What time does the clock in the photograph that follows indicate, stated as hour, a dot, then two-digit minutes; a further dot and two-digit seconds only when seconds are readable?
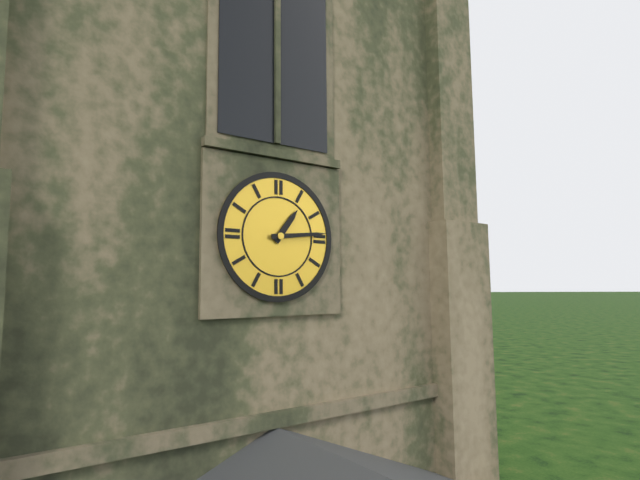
1.14
